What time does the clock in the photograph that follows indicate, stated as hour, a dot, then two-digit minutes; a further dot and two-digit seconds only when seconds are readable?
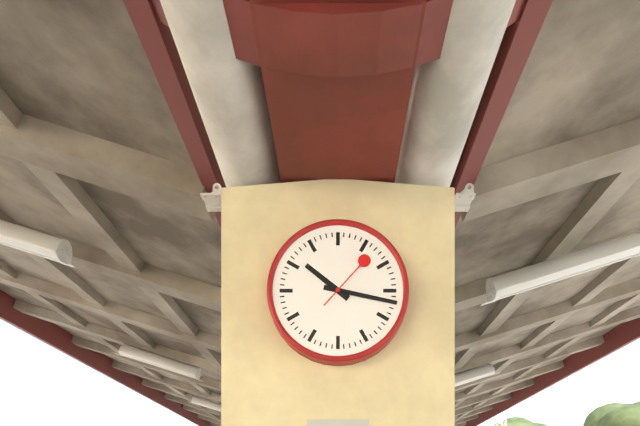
10.17.07
